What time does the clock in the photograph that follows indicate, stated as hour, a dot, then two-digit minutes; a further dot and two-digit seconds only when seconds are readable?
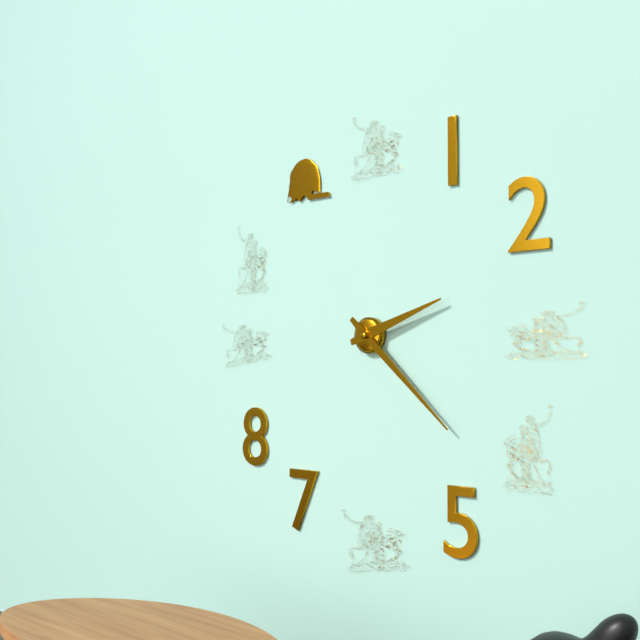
2.22
